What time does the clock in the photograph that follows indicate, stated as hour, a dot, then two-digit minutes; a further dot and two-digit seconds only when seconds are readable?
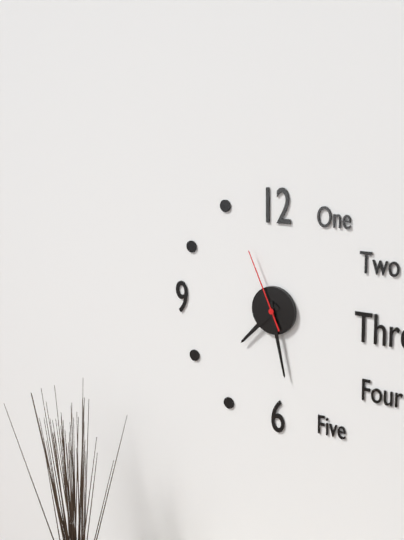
7.28.56
